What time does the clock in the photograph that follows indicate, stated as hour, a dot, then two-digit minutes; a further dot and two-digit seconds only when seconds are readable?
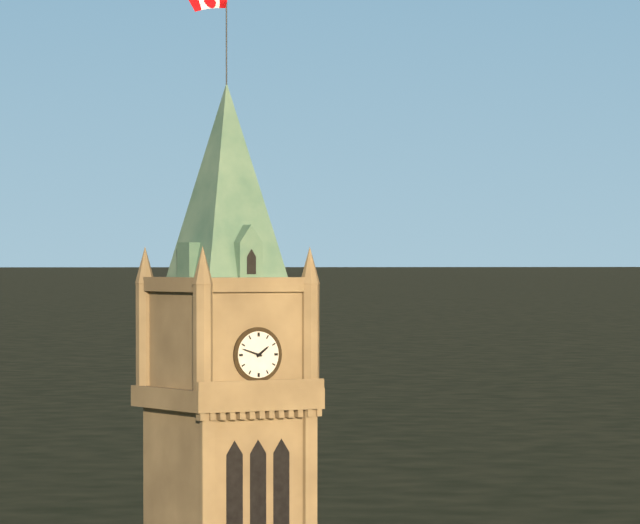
1.48
